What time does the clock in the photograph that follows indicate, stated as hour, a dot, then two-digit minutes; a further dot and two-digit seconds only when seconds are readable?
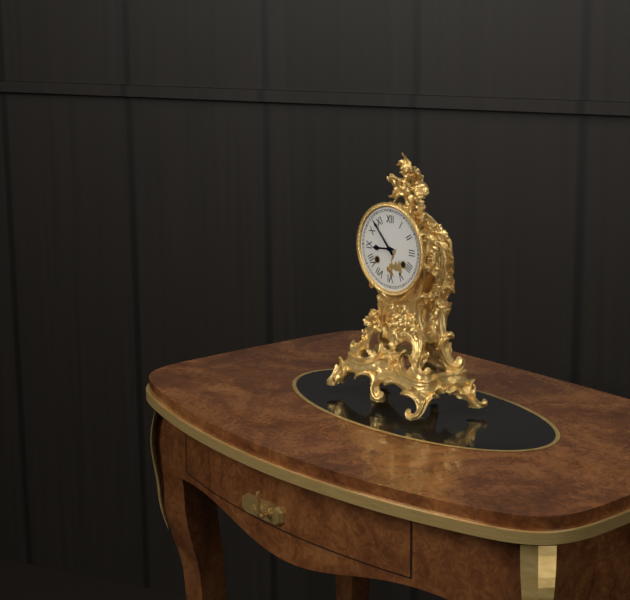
8.53
